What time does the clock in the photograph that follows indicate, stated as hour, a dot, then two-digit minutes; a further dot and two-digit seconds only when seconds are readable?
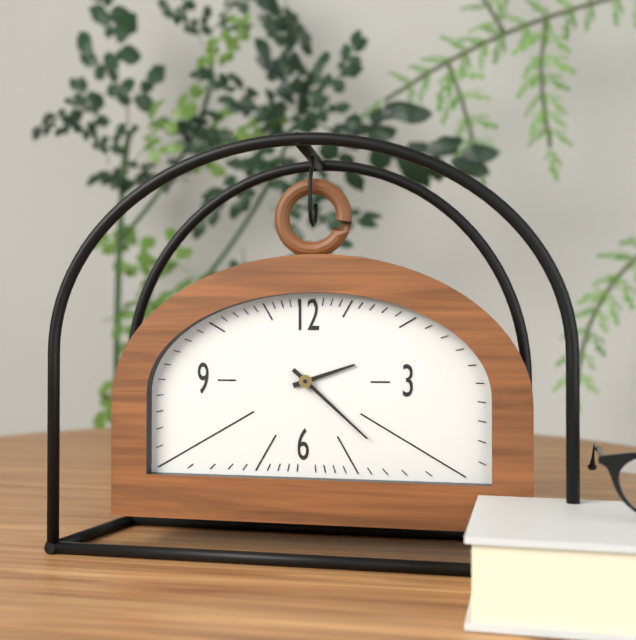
2.22
